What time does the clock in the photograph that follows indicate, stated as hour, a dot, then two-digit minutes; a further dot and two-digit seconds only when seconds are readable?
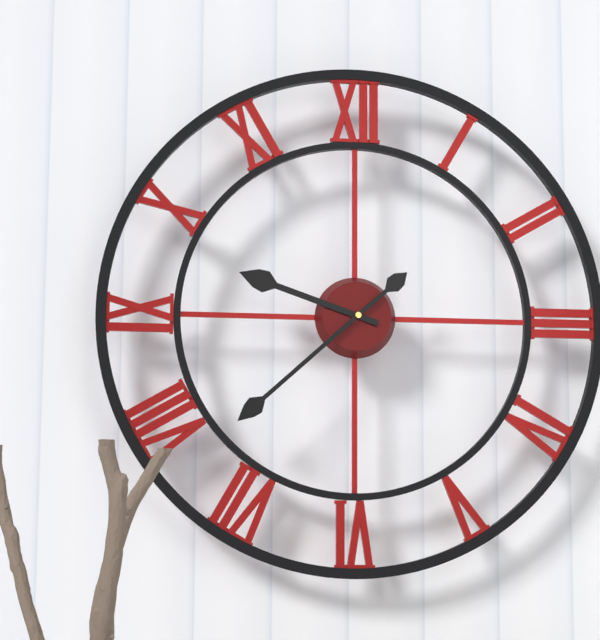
9.38
